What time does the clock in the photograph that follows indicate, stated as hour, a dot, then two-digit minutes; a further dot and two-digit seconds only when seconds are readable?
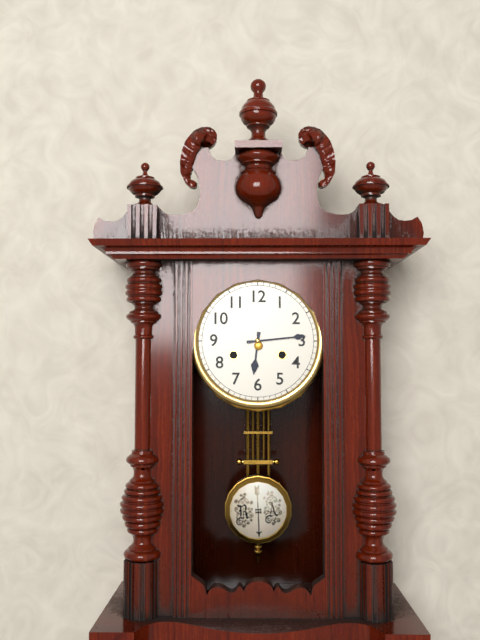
6.14
